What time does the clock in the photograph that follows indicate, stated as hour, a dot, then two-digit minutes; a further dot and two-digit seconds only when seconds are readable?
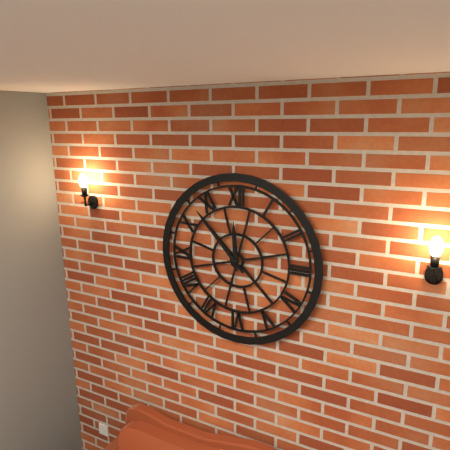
11.53
